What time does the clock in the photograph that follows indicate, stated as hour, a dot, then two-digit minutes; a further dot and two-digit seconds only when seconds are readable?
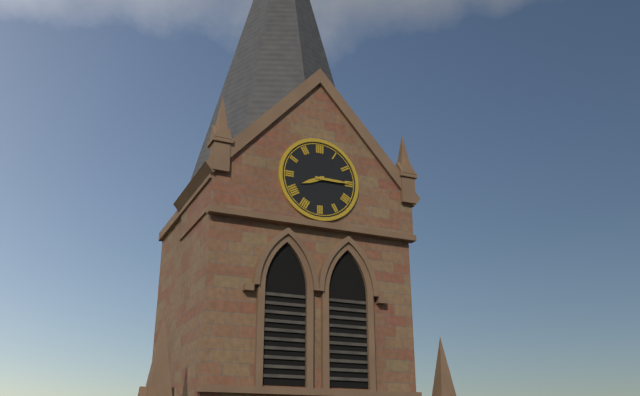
8.15
